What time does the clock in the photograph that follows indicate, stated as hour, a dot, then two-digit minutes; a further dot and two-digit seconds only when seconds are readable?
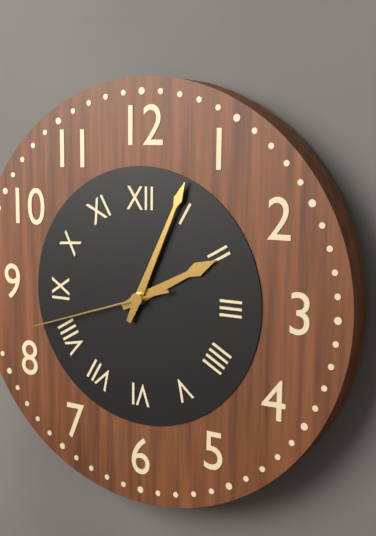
2.04.42
